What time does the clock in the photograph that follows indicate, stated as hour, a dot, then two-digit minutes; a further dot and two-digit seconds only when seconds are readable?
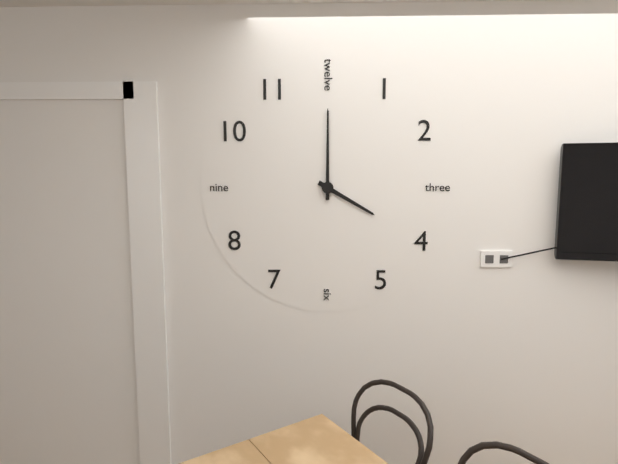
4.00
